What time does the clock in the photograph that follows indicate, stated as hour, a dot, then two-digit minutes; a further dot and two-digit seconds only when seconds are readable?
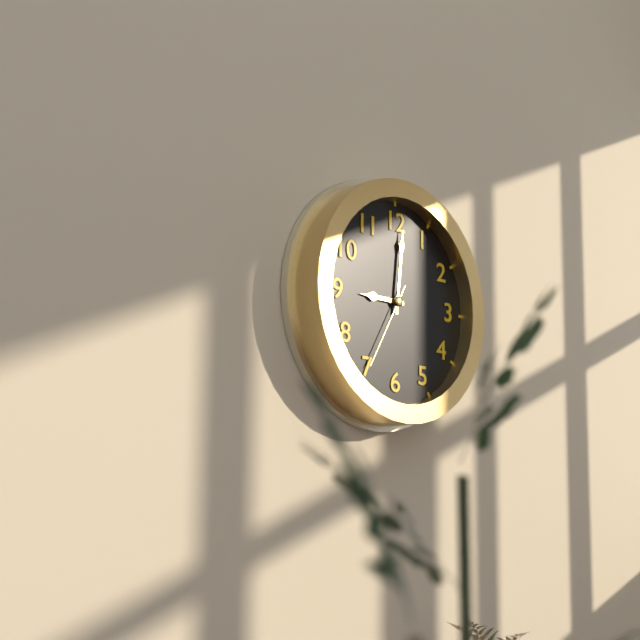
9.01.35
